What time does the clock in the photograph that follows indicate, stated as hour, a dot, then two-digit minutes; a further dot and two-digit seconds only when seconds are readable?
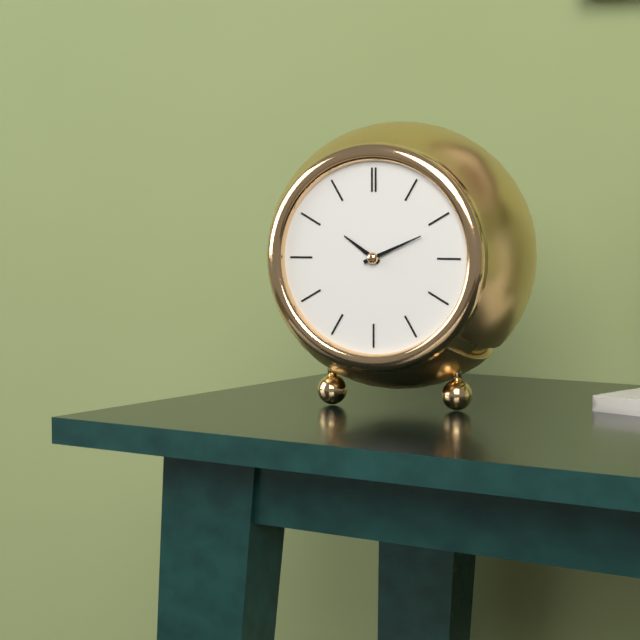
10.11
